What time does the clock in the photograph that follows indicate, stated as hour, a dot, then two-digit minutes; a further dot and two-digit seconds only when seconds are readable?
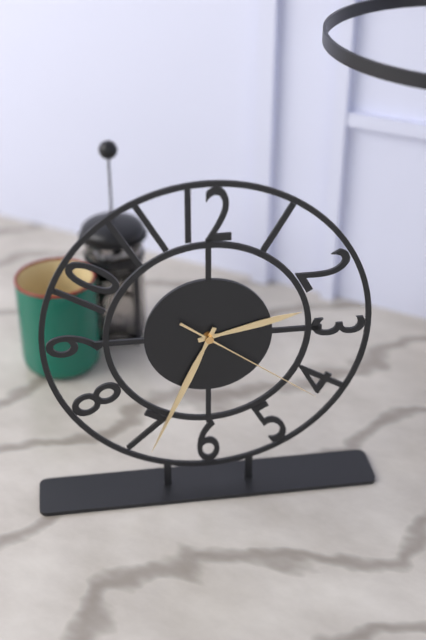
2.34.21
